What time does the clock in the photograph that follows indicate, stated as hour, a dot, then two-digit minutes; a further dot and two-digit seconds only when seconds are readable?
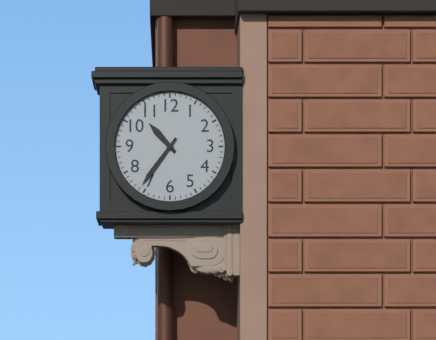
10.36
